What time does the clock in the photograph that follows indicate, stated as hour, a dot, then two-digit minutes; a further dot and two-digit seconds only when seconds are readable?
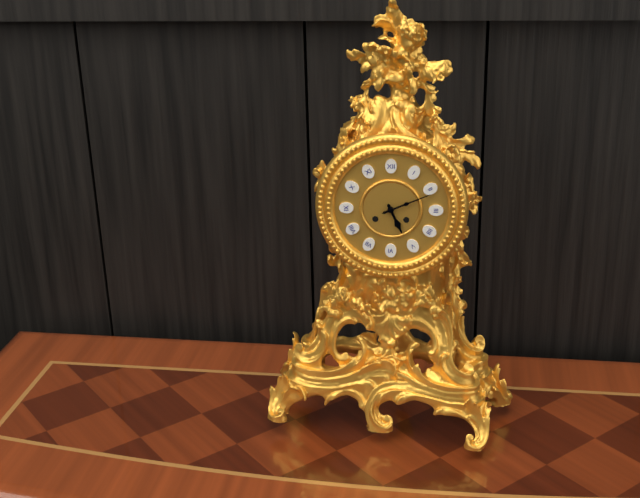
5.11
